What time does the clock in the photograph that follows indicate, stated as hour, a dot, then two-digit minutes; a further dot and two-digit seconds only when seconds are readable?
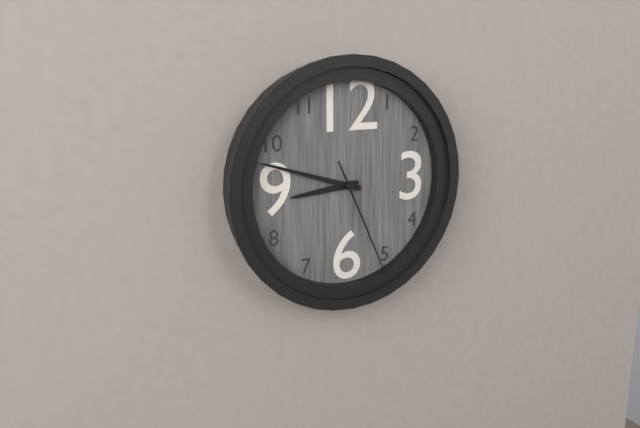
8.48.26
